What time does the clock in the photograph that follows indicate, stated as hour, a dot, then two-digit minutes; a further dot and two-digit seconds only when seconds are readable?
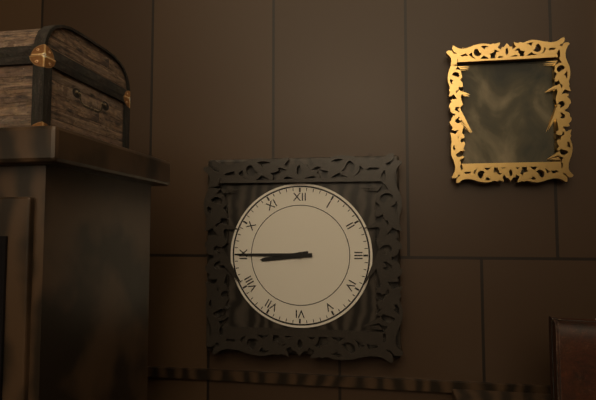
8.45
